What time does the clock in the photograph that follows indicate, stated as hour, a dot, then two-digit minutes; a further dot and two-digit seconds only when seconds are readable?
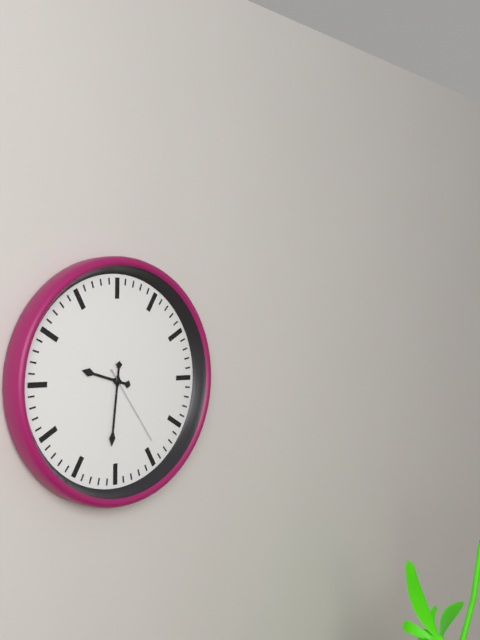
9.31.24
